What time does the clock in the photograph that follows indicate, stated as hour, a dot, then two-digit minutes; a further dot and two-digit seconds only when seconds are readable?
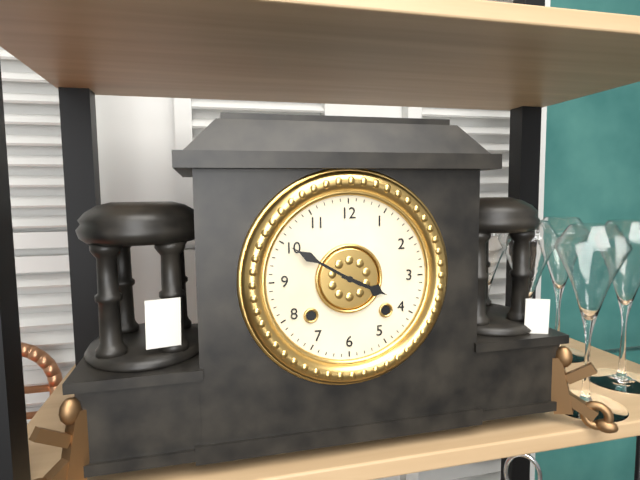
3.50
